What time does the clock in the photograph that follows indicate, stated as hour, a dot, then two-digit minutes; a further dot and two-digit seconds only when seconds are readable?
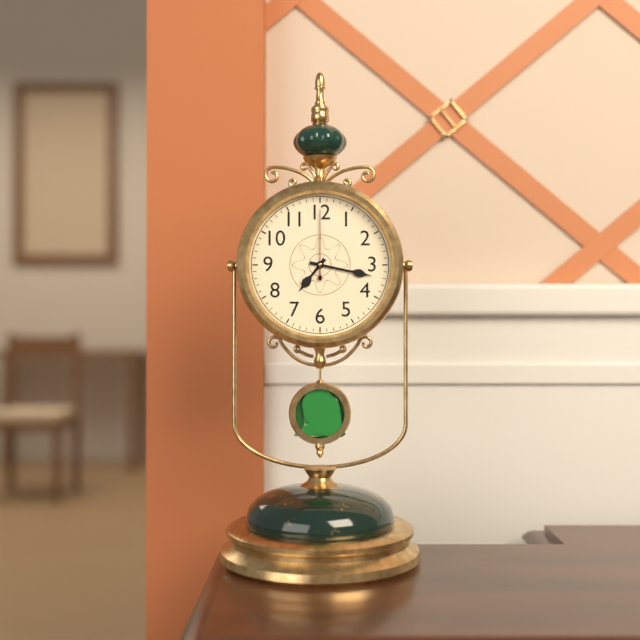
7.17.00
